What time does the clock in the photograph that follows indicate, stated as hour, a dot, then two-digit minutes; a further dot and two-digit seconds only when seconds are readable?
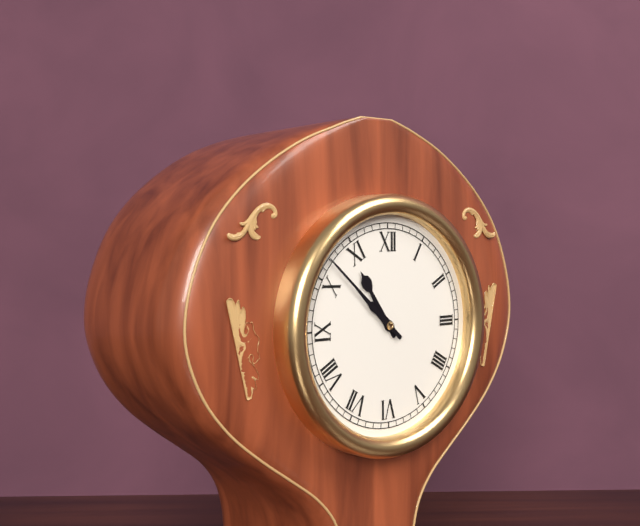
10.52
